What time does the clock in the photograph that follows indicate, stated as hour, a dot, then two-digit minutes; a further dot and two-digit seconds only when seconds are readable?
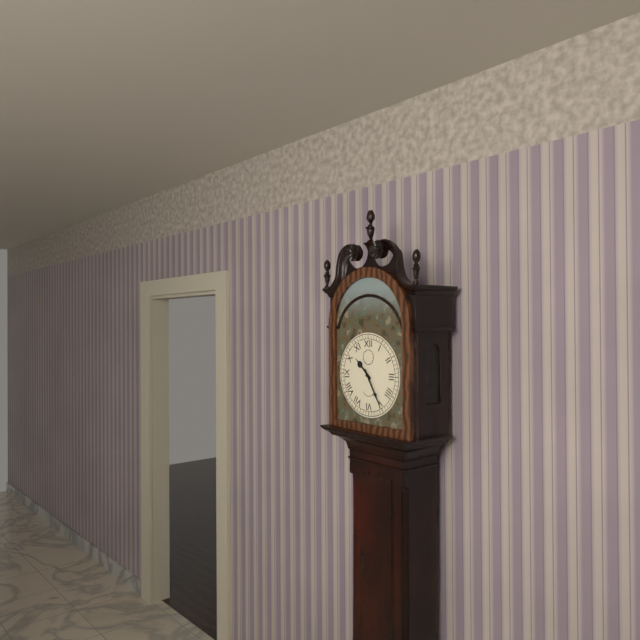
10.25
